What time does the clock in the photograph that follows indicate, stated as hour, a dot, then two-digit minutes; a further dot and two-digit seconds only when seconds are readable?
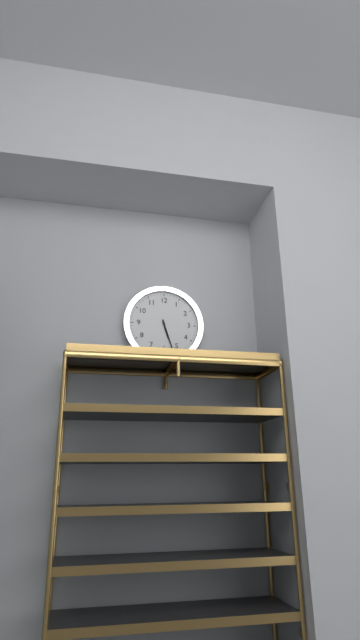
5.27
